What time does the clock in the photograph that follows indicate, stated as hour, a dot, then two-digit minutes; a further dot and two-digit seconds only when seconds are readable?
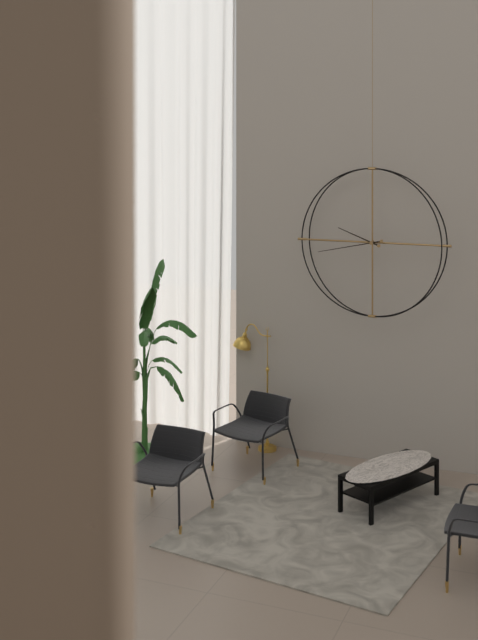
9.43
